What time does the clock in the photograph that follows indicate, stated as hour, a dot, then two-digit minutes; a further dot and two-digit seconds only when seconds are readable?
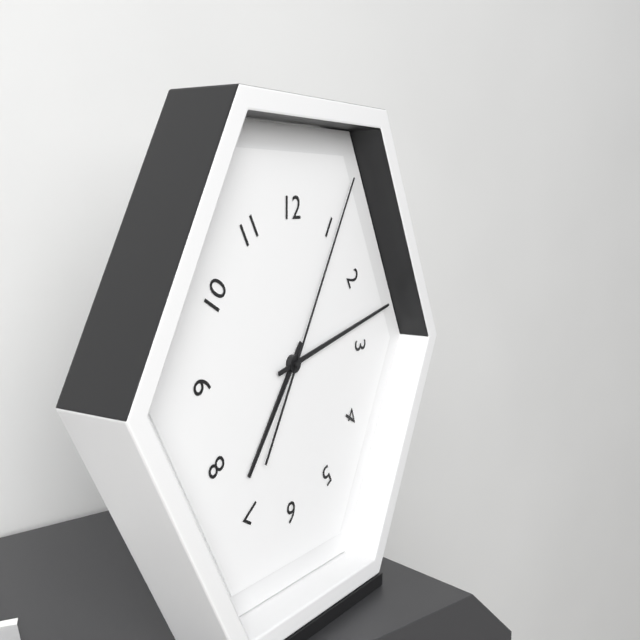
7.13.05
